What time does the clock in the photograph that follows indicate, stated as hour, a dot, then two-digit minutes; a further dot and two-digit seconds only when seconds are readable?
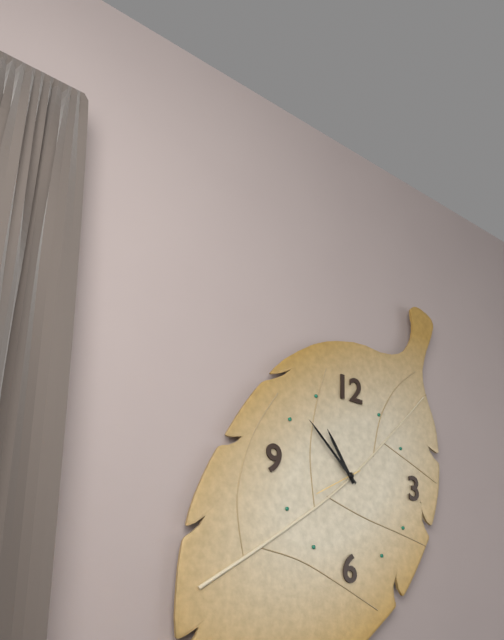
10.52
